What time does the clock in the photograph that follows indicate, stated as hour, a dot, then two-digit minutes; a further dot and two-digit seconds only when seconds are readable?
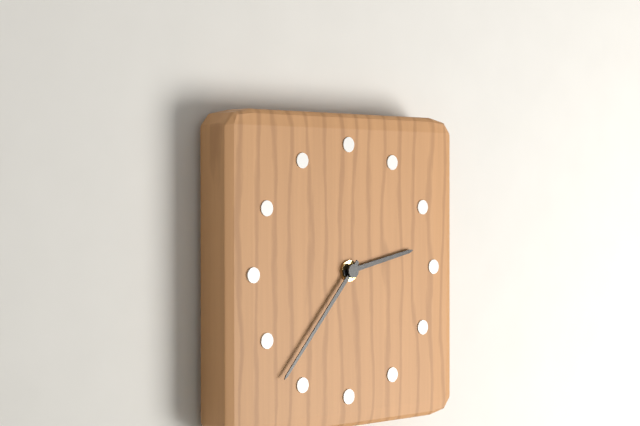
2.37
